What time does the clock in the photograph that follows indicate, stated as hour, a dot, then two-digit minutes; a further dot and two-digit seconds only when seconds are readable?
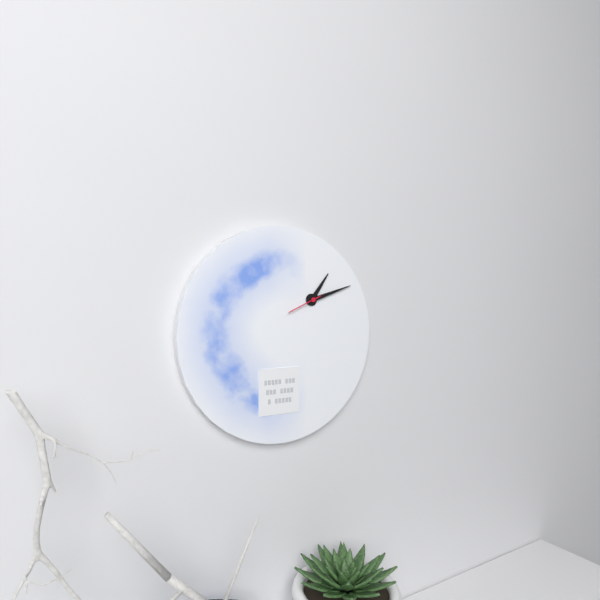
1.12
